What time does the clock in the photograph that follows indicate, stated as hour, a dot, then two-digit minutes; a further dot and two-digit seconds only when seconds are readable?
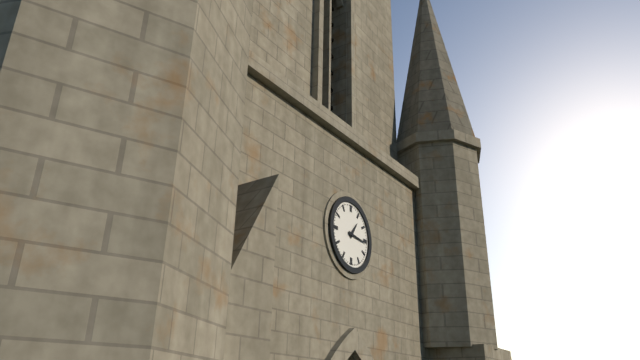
1.16
